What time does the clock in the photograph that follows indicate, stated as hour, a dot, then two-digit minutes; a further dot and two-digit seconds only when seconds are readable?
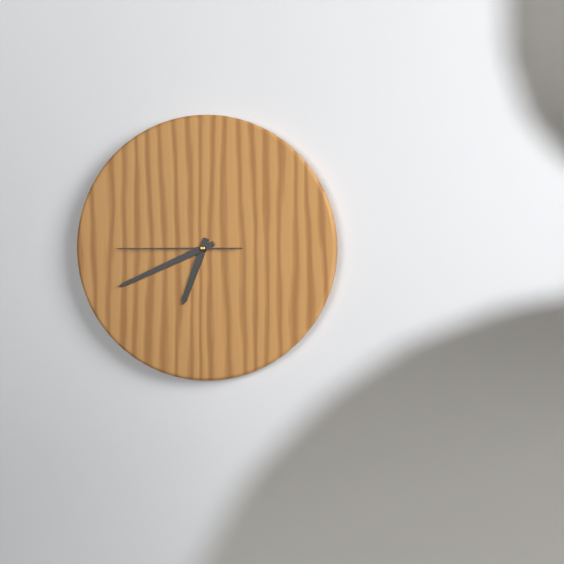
6.41.45
